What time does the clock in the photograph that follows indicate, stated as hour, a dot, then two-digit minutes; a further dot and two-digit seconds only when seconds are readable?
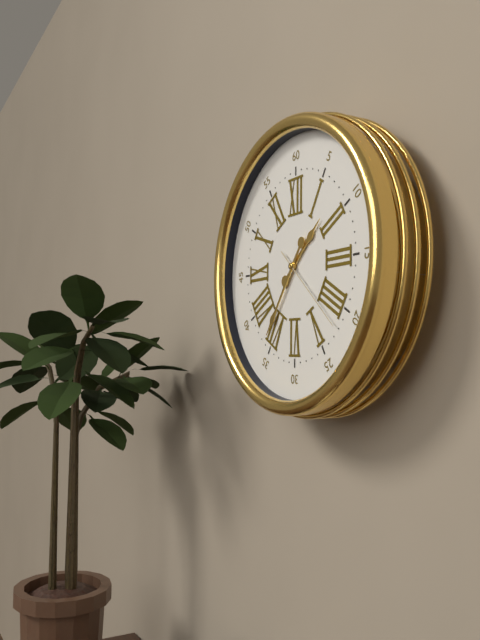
1.36.22
